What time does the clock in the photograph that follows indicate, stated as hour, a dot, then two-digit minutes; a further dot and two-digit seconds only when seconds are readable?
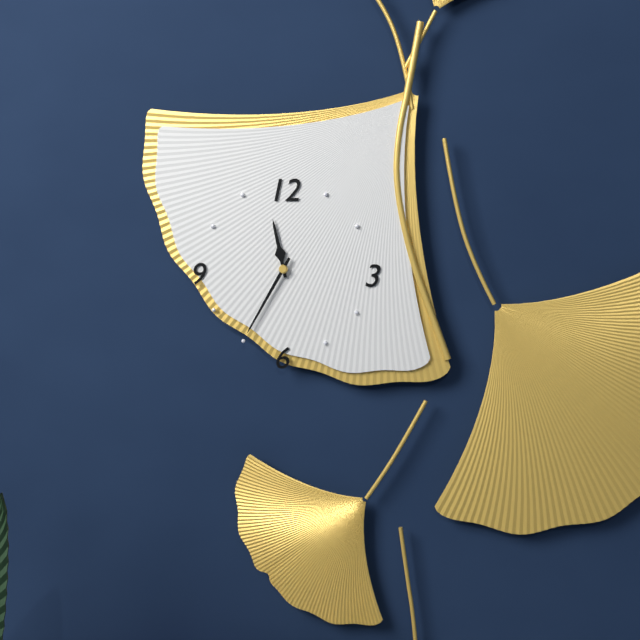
11.35
